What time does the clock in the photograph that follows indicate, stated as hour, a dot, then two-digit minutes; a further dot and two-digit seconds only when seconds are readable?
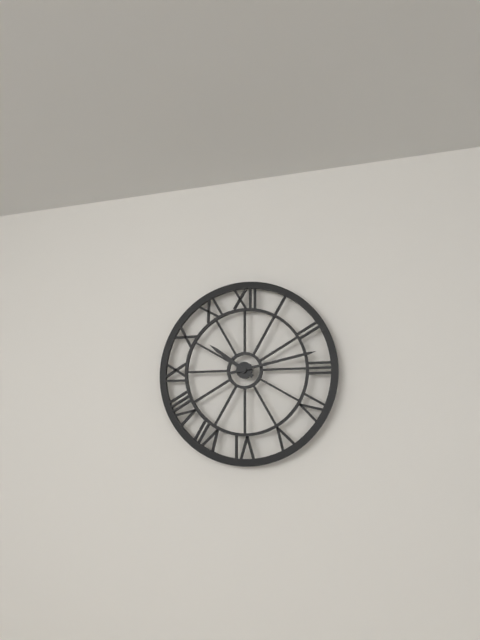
10.13
